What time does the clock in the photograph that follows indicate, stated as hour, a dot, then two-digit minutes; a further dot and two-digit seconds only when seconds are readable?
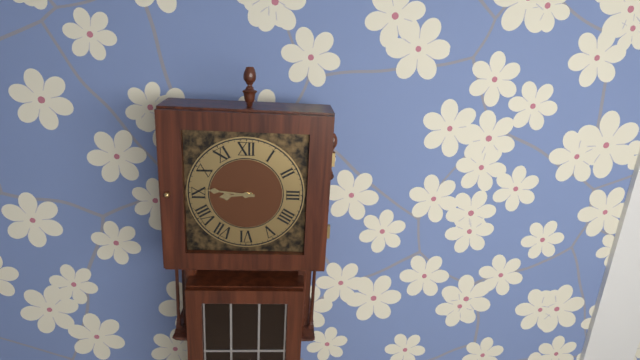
8.46
